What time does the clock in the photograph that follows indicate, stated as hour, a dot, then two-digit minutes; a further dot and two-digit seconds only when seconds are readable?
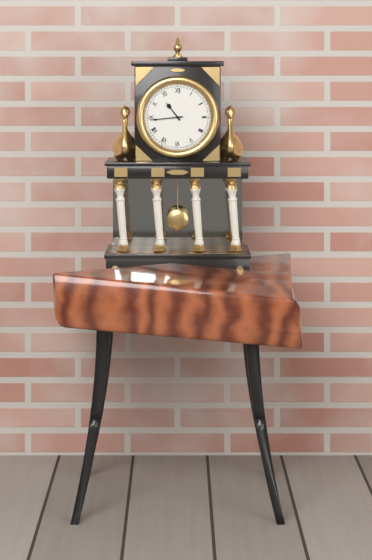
10.44
